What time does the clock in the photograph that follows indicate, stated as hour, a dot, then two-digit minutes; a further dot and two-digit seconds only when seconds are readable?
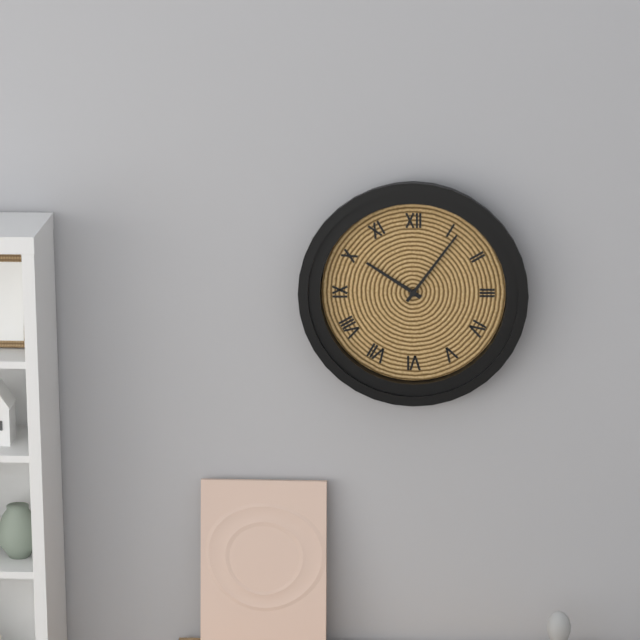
10.06
